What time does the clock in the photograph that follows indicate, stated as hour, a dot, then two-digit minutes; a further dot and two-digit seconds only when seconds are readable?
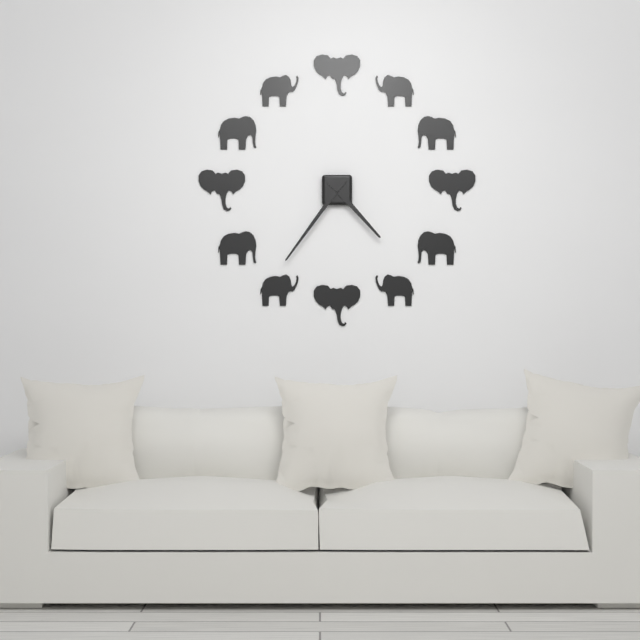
4.36
